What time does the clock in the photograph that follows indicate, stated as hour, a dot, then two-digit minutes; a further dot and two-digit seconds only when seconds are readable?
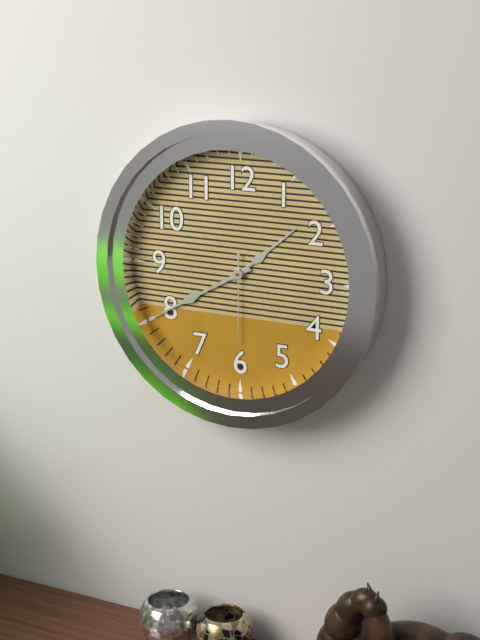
1.40.30
